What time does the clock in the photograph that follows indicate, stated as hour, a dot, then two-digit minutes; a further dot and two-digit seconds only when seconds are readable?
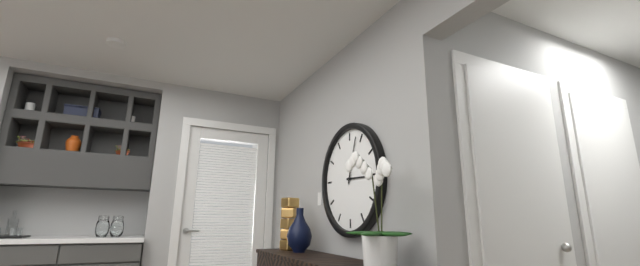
3.03
